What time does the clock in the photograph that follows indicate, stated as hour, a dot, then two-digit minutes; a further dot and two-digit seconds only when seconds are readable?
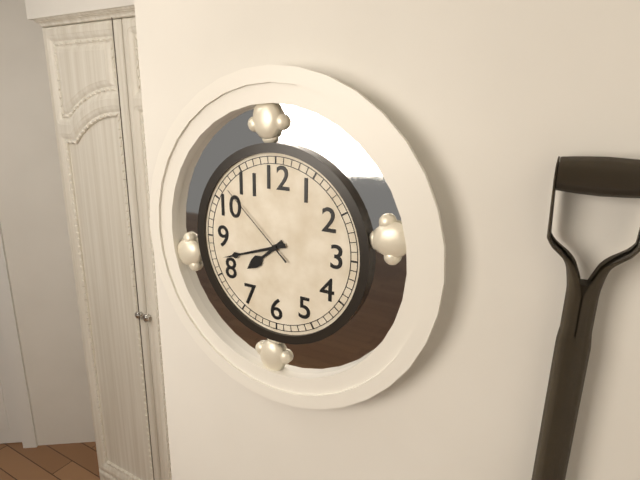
7.42.52
